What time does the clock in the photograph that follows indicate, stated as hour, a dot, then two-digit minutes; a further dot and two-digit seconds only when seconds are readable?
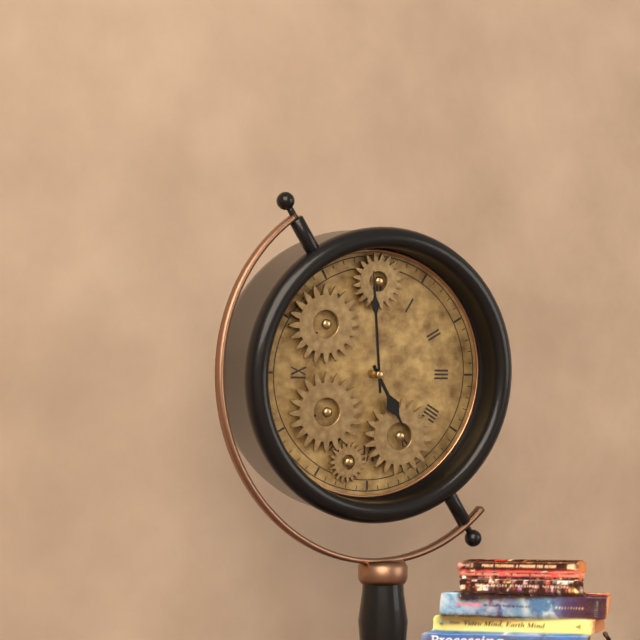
4.59
